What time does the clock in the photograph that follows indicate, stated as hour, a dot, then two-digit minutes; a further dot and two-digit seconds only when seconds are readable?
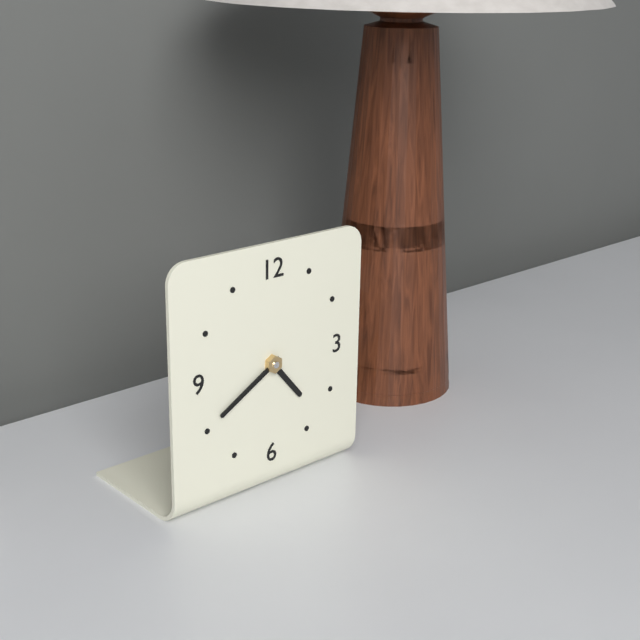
4.40
